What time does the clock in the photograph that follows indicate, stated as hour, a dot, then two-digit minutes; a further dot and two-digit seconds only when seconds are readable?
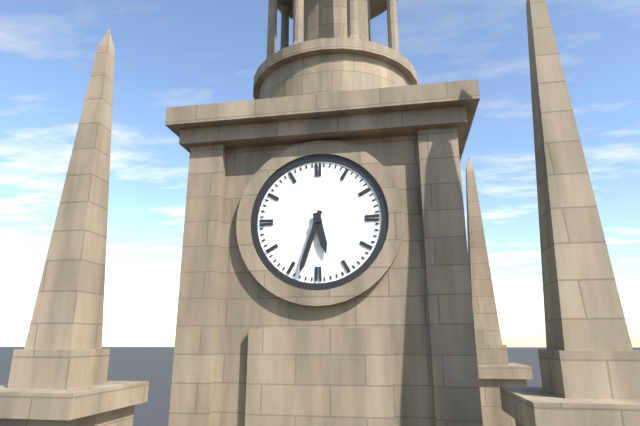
5.33
